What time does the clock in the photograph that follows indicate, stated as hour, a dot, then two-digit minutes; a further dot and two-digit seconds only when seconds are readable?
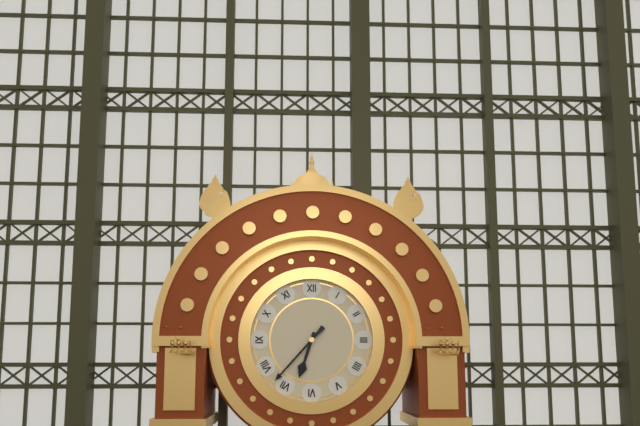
6.37
